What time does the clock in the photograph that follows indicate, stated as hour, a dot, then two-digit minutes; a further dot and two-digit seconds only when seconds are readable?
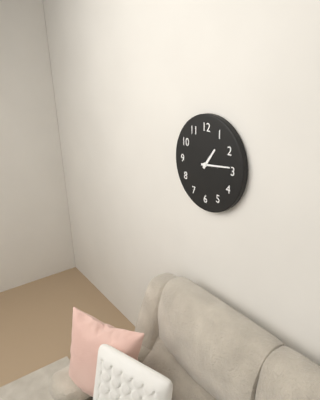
1.14
